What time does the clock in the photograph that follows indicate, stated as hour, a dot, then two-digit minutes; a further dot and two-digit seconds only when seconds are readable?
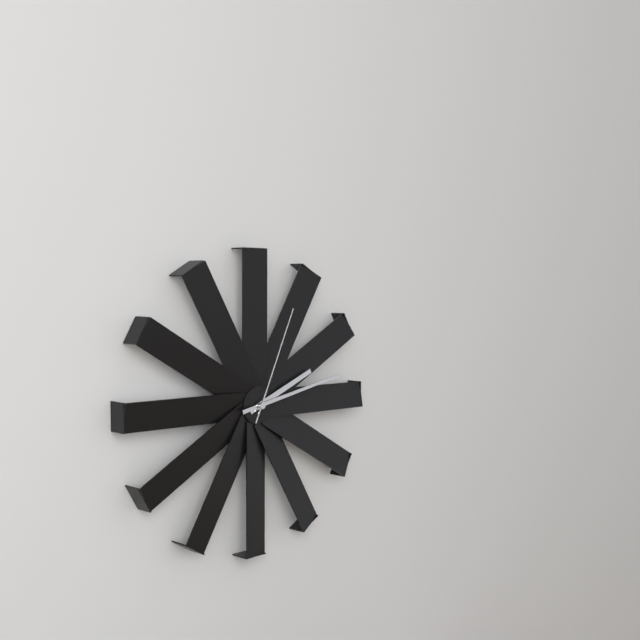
2.13.04
